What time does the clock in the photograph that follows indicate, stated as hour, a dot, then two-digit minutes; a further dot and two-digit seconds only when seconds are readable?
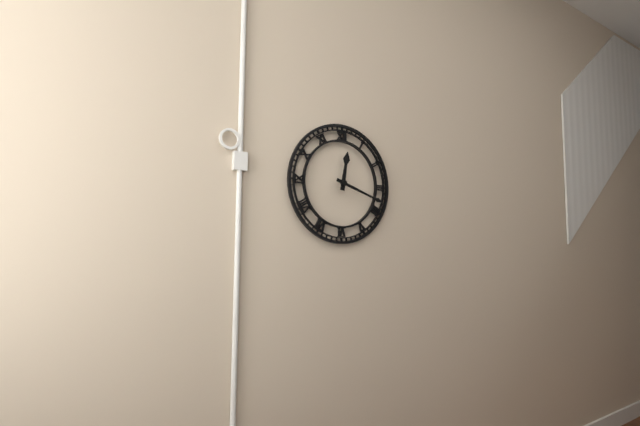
12.18
